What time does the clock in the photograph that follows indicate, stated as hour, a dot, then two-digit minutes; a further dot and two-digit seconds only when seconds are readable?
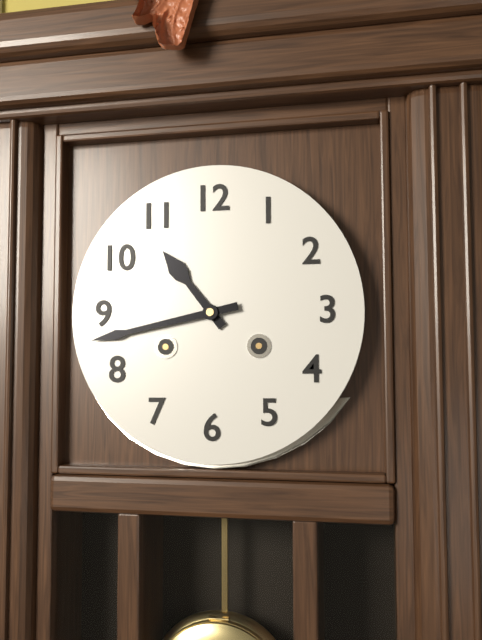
10.43
